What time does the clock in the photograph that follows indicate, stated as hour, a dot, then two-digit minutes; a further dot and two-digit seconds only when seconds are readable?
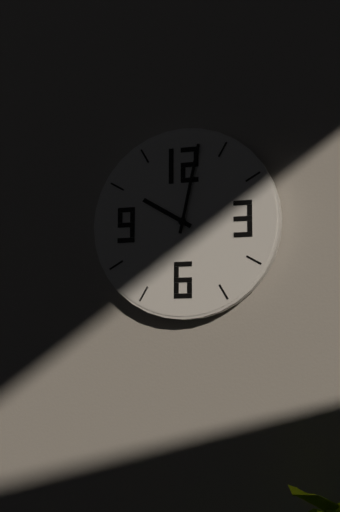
10.02
